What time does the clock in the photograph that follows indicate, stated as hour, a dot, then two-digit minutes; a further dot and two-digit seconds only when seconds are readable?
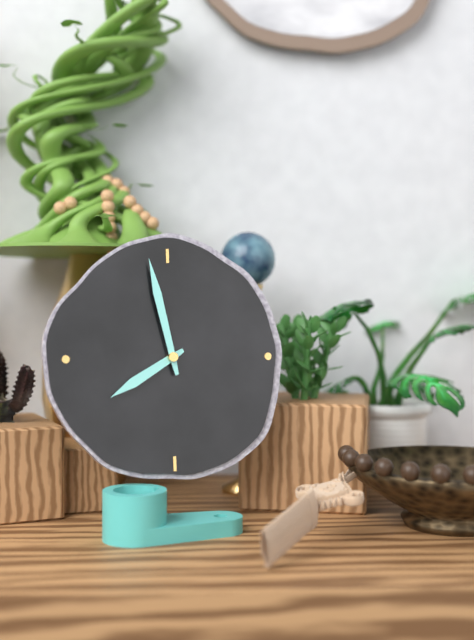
7.58
